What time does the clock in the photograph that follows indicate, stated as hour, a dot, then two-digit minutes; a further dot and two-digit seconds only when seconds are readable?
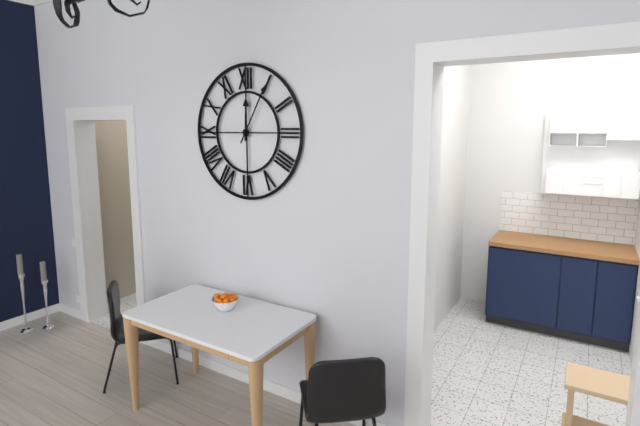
12.05
